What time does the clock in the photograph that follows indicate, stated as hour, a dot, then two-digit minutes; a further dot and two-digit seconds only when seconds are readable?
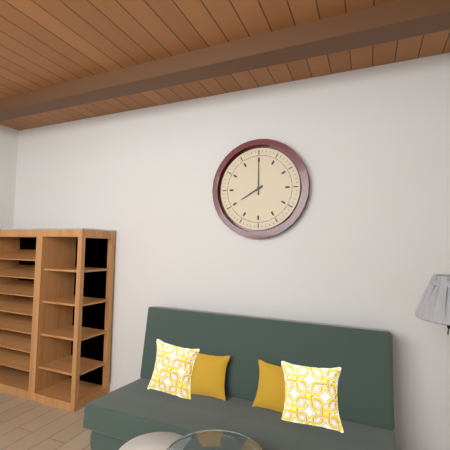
8.00
